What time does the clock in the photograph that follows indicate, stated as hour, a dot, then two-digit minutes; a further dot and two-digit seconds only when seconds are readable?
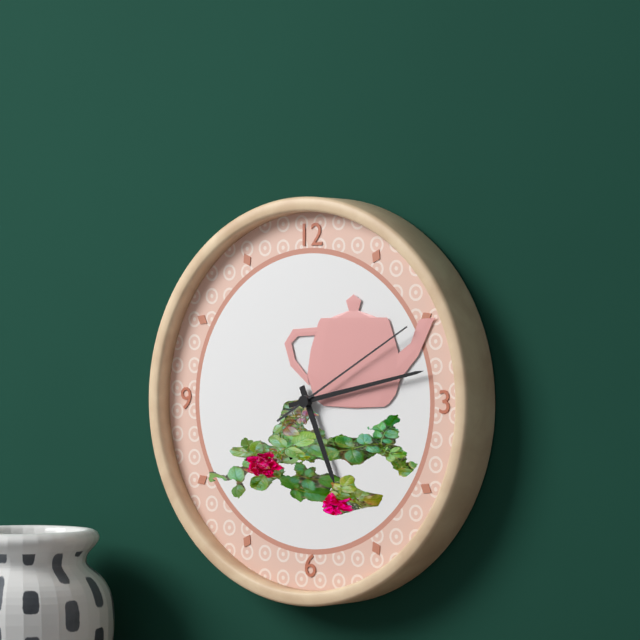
5.13.10
